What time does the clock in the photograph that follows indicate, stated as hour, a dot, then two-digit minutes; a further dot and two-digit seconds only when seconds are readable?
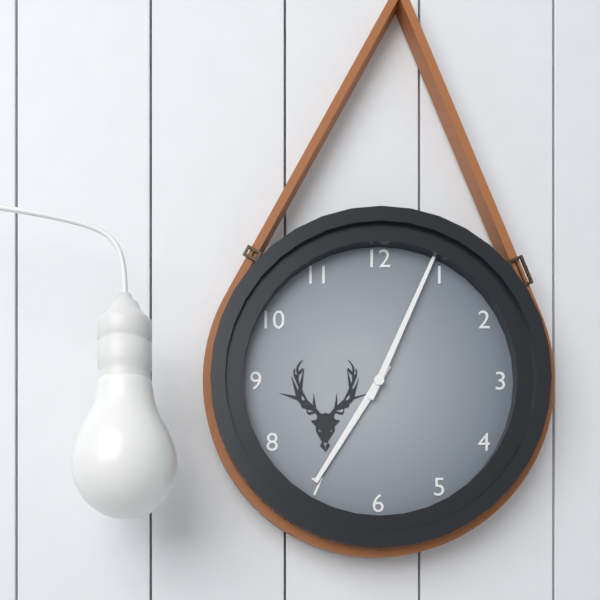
7.04
